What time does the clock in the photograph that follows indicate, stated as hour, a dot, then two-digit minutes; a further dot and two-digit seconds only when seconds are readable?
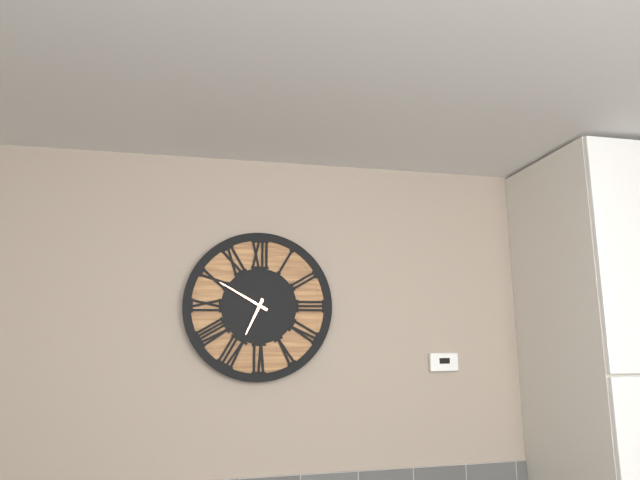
6.50
